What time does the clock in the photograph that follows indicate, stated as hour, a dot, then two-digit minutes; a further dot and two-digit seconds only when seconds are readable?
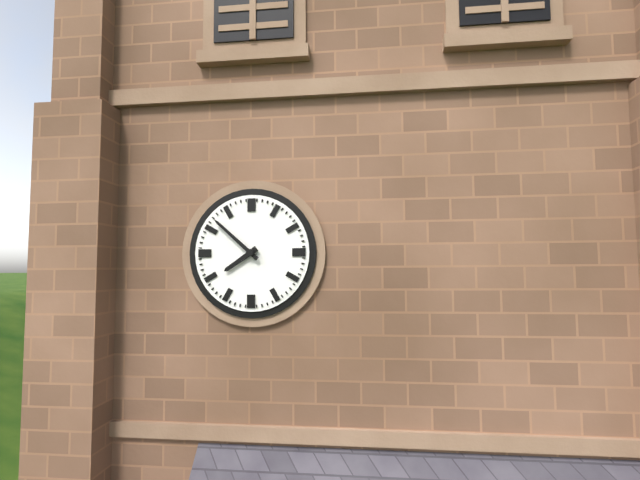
7.52
